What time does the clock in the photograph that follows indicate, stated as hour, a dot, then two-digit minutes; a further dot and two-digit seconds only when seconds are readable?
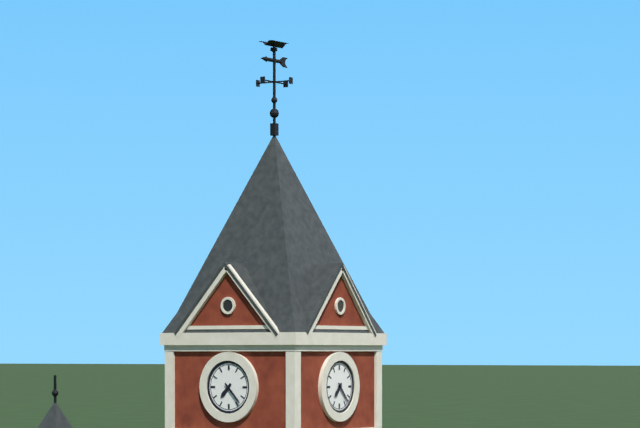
7.23
